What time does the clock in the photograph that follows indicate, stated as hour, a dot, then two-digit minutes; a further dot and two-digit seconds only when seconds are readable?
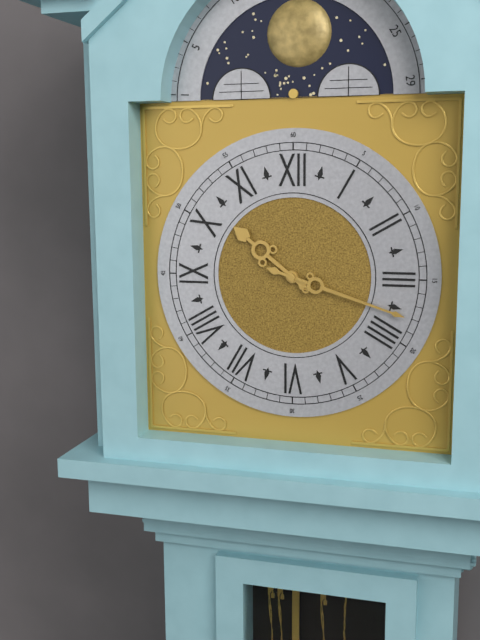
10.18
